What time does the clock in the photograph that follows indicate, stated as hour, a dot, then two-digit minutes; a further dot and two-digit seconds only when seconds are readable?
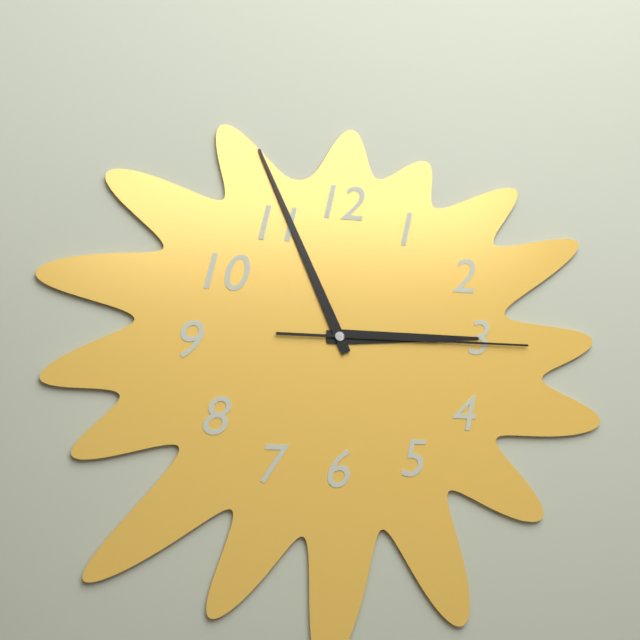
2.56.15
